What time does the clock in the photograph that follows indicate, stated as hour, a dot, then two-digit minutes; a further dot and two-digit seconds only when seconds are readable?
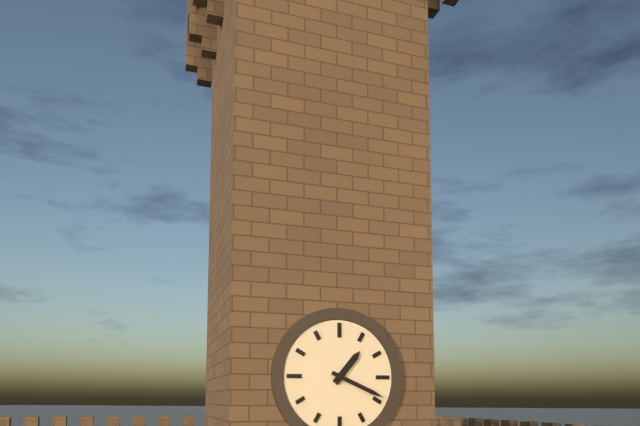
1.19
